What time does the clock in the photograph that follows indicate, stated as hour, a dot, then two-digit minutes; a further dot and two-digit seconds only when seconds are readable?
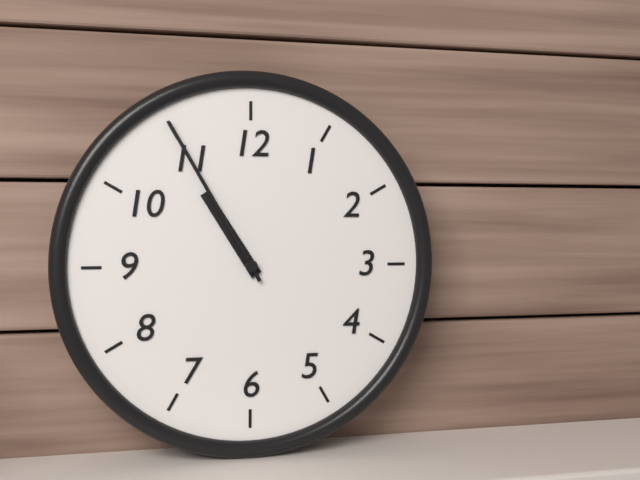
10.55
